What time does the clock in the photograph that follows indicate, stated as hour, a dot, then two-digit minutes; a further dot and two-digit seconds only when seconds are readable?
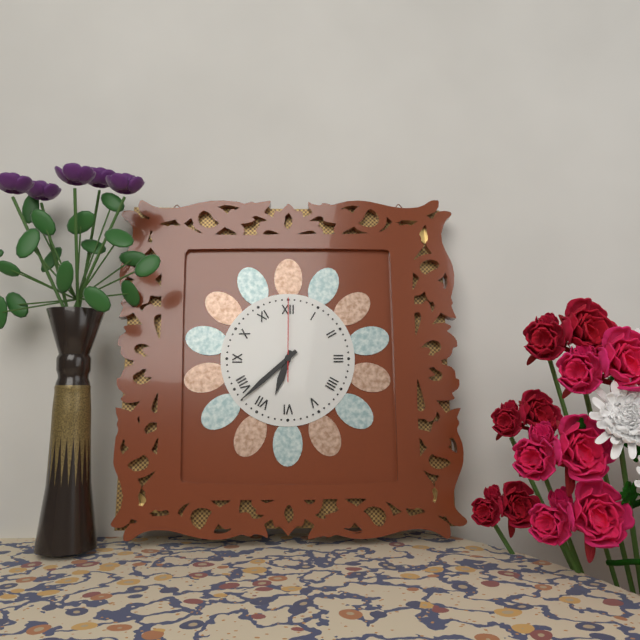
6.38.00
